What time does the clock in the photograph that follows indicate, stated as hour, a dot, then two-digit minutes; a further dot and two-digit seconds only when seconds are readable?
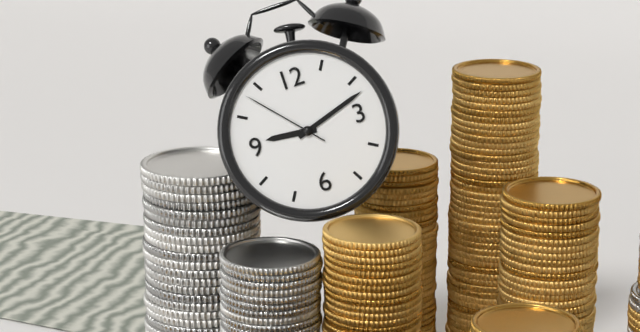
9.12.53
